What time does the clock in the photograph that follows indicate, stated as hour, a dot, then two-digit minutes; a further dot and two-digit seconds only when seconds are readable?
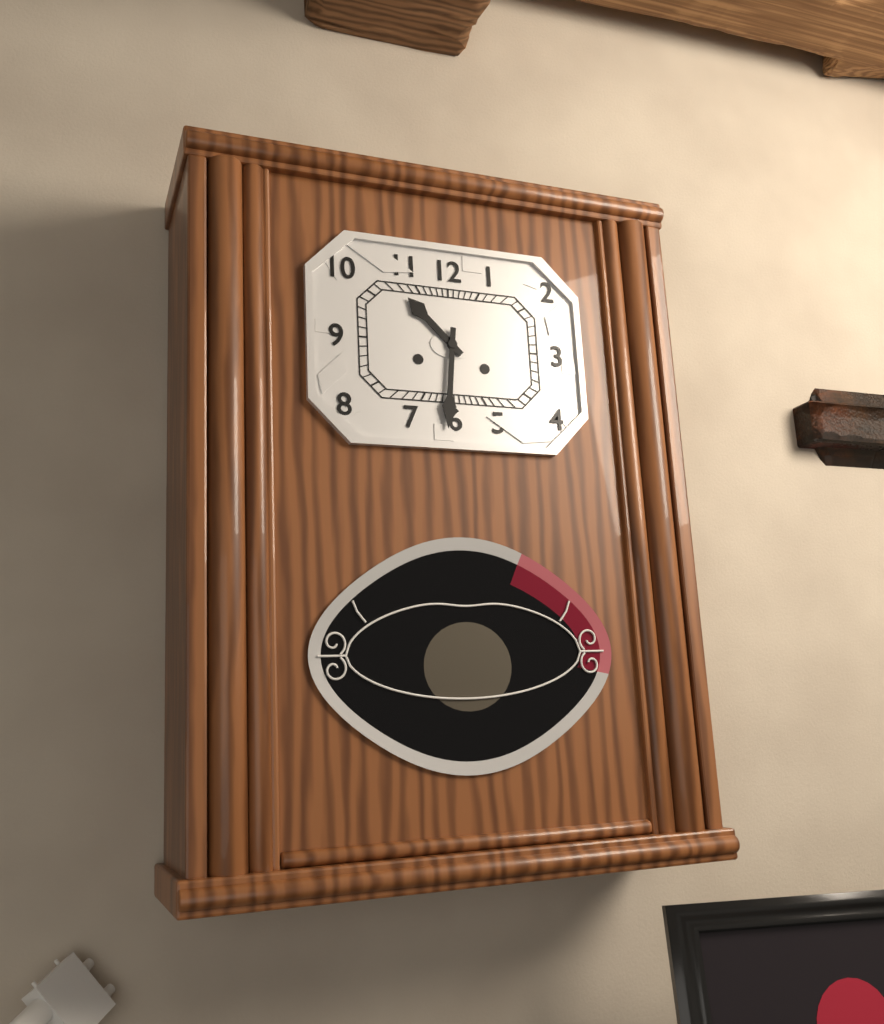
10.31
